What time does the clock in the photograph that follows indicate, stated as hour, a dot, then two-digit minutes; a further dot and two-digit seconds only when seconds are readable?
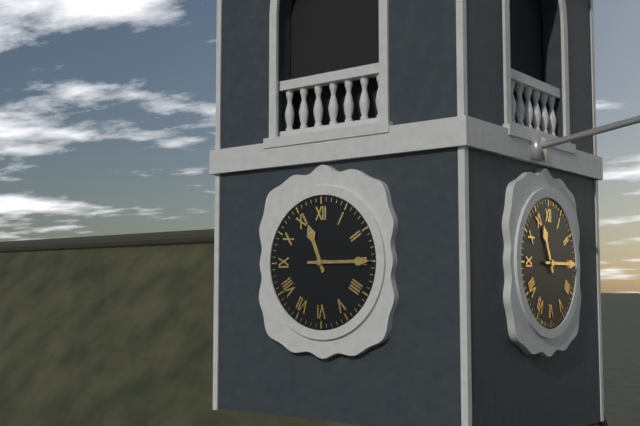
11.15
